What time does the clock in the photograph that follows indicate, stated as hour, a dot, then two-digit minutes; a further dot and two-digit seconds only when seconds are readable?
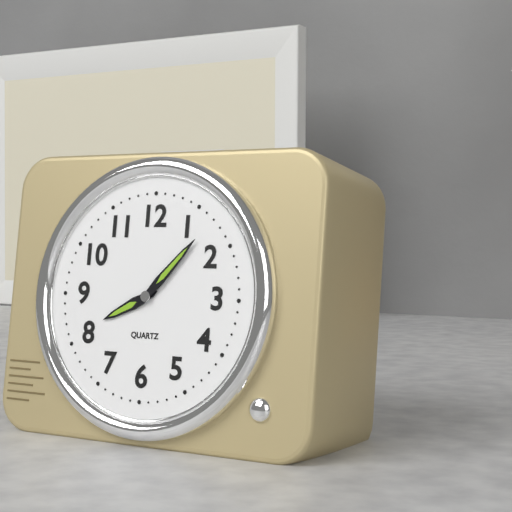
8.07
